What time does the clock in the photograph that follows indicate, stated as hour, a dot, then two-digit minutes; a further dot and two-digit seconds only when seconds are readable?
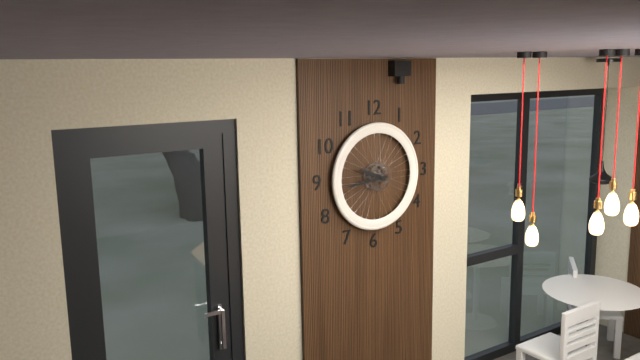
9.44
